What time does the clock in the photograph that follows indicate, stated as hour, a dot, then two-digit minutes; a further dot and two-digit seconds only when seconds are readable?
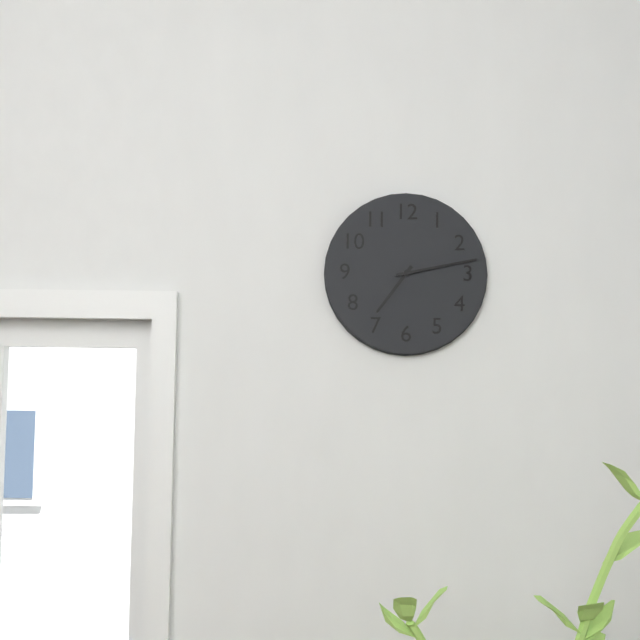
7.13
